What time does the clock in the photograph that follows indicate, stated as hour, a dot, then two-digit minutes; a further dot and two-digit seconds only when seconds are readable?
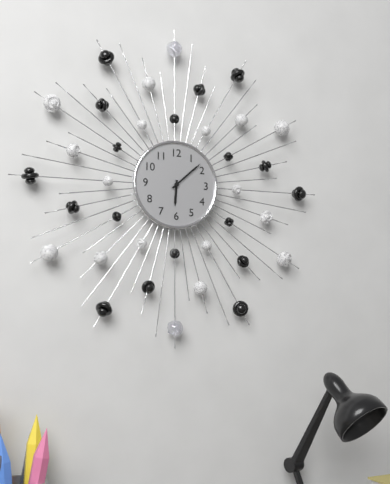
6.08
